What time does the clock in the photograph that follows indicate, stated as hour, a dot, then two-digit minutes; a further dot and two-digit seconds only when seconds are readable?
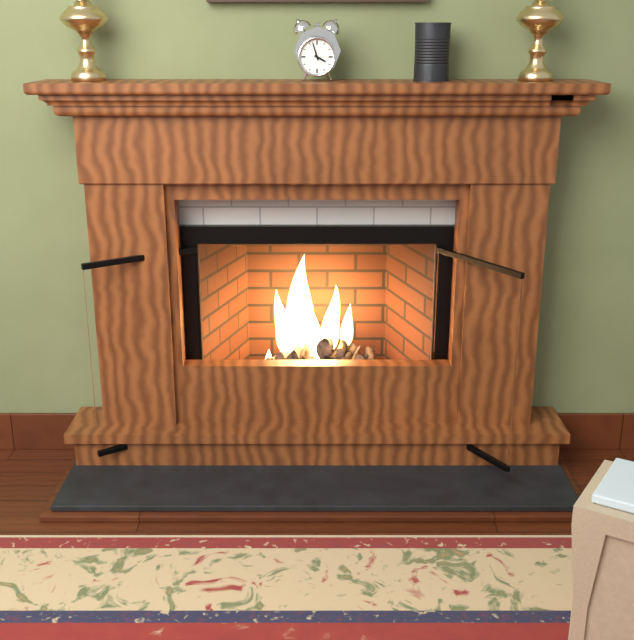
3.57
